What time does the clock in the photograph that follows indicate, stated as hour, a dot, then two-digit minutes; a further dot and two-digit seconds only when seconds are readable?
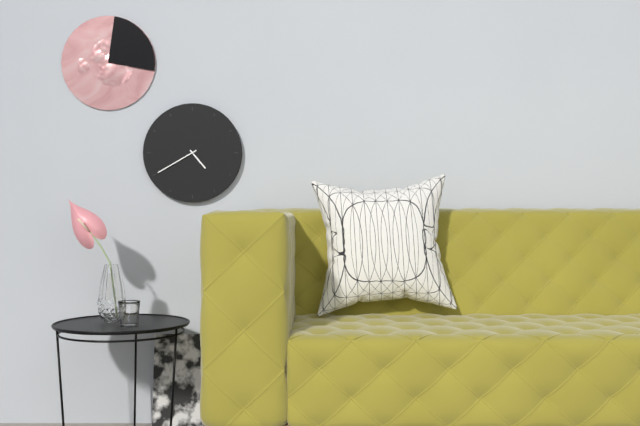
4.40
